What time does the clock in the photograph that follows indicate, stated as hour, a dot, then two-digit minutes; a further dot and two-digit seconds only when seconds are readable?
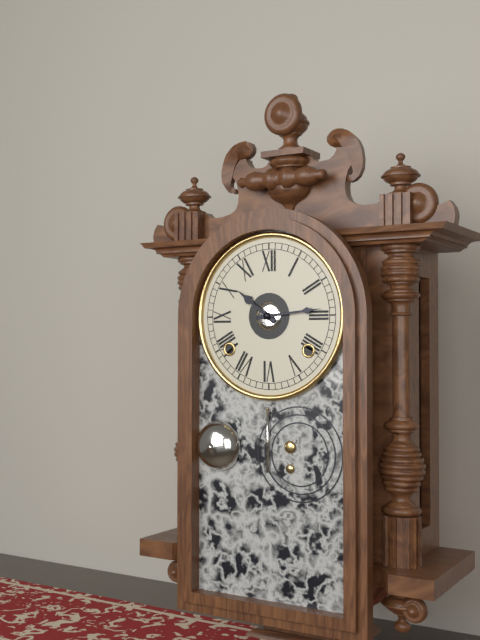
10.14
